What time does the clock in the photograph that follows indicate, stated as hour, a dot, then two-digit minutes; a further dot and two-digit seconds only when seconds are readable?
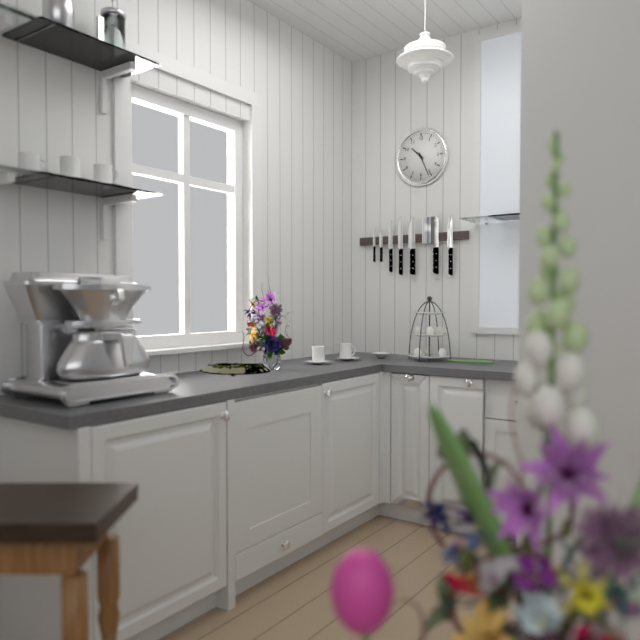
10.26
